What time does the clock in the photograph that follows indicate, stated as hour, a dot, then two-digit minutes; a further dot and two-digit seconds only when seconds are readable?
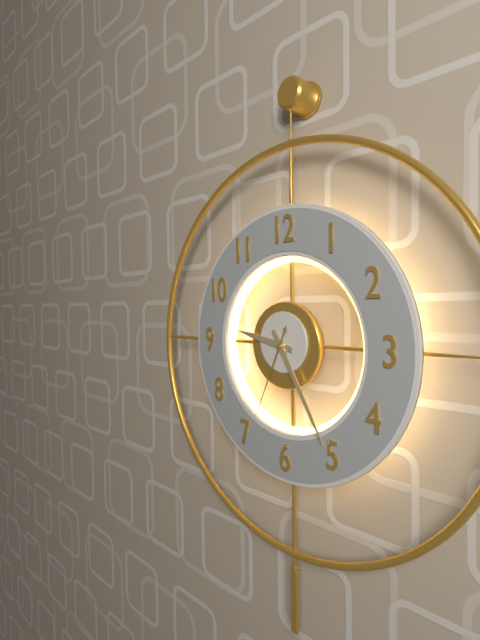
9.25.34
